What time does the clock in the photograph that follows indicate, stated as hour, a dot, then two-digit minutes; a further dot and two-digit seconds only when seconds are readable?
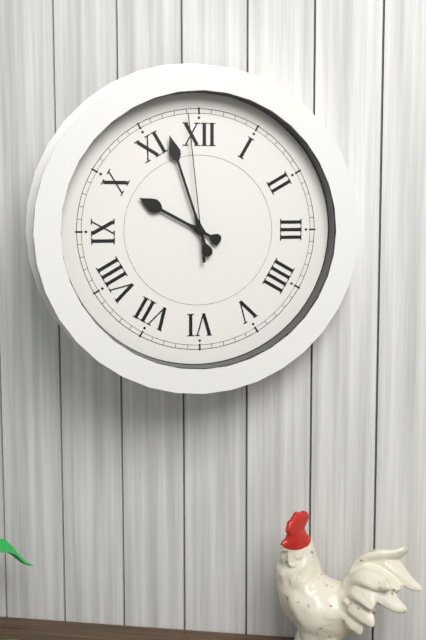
9.57.59
